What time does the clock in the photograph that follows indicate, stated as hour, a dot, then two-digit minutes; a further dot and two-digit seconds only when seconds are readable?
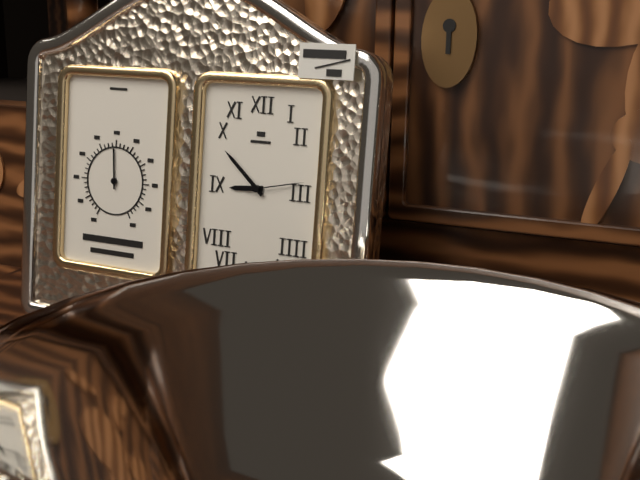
8.52.13
